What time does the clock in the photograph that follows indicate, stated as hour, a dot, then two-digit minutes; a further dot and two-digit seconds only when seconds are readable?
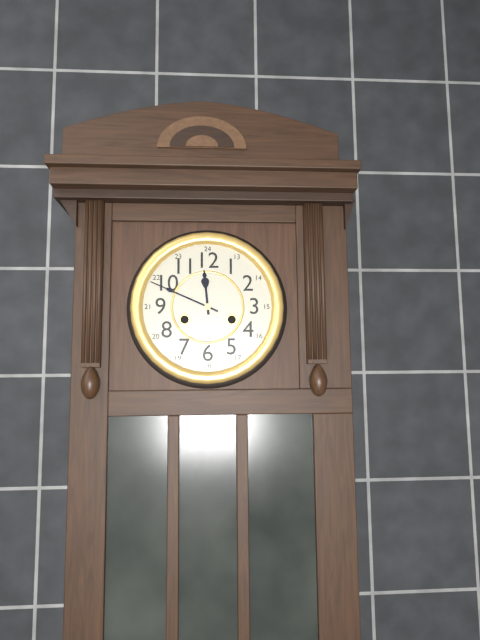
11.49
